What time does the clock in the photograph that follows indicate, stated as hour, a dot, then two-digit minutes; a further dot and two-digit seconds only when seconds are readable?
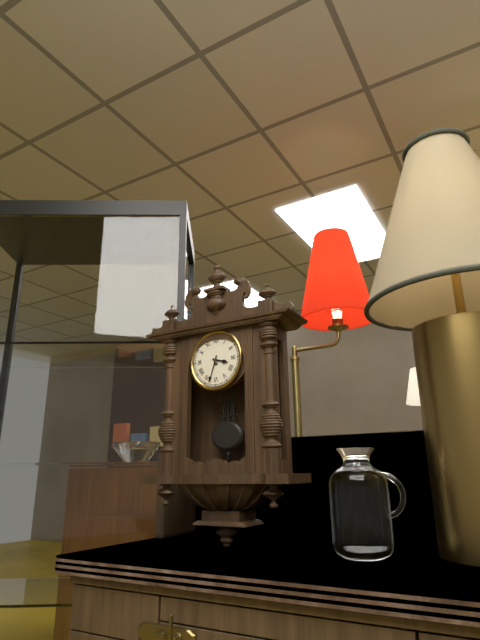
3.33
